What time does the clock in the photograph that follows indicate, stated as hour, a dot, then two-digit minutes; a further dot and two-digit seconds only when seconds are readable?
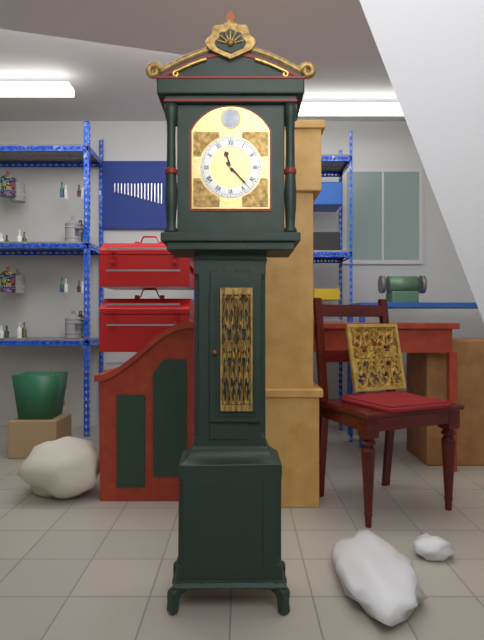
11.23
